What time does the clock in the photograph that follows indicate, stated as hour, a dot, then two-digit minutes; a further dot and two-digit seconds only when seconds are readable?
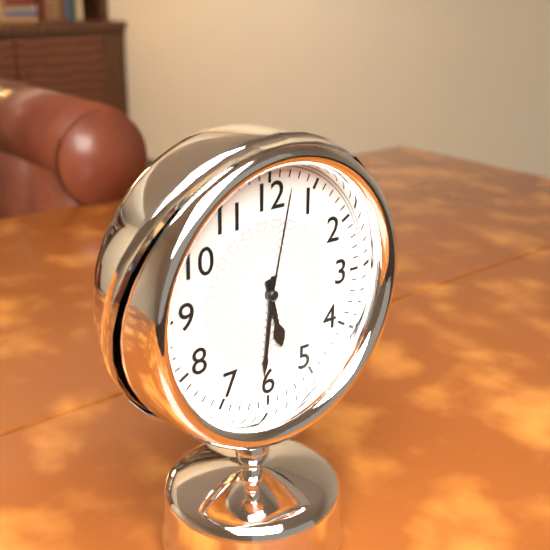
5.31.02
